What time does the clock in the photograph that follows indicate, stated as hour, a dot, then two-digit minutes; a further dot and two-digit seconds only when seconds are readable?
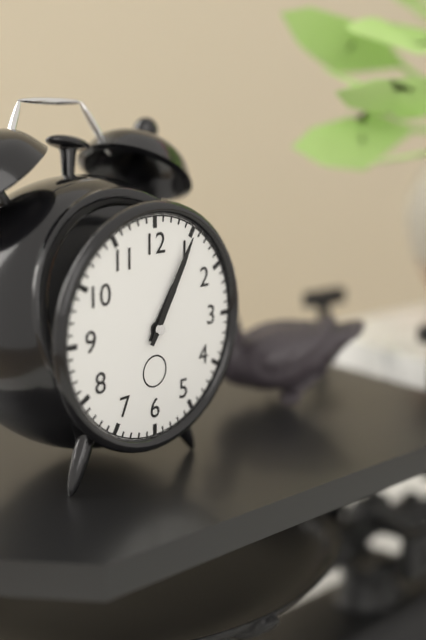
1.05
